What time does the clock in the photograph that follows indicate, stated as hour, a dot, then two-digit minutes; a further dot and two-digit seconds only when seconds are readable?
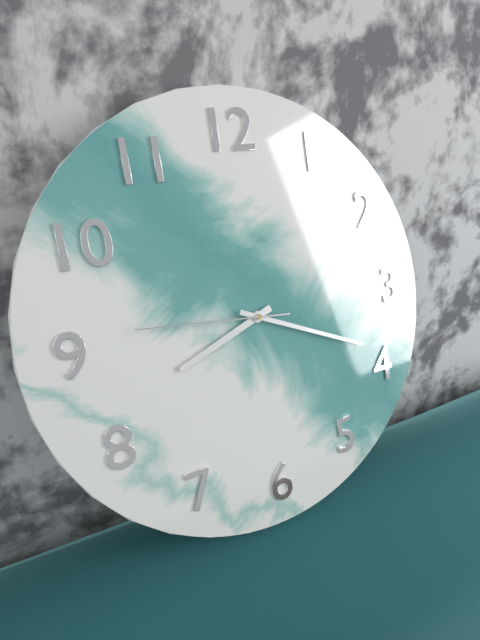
8.19.46
